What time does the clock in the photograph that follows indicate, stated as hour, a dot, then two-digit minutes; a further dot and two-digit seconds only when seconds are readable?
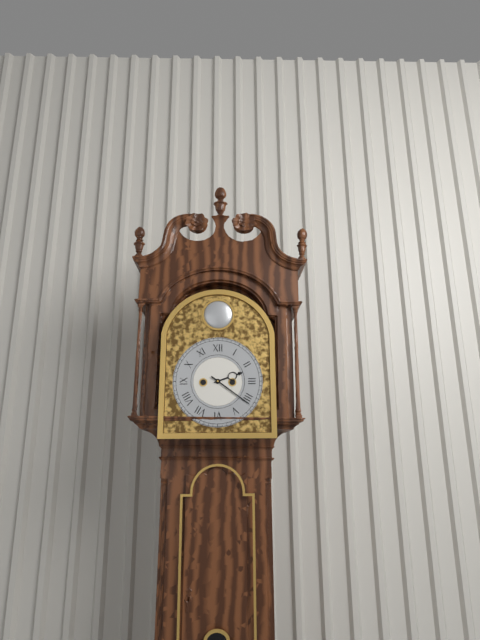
2.21
